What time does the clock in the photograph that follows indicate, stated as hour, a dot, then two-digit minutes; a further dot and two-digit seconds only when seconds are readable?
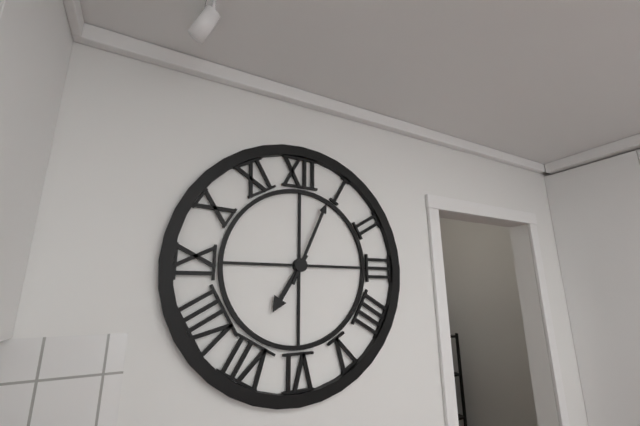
7.04
